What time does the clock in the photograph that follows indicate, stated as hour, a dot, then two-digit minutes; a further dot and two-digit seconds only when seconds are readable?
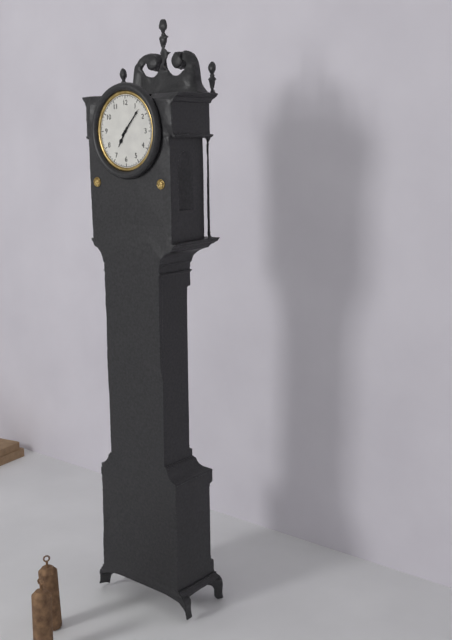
7.07
